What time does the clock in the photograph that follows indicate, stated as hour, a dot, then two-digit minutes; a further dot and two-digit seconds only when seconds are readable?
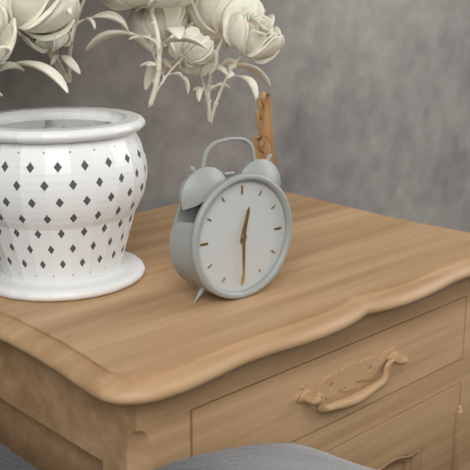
12.30
